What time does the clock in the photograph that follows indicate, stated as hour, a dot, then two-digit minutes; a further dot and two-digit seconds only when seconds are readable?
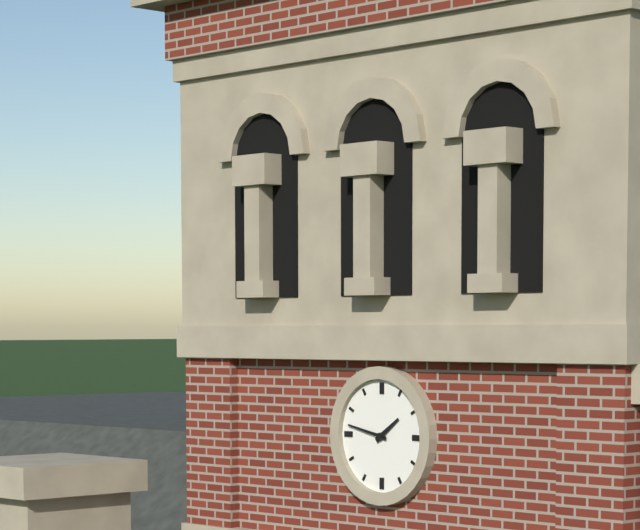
1.47
